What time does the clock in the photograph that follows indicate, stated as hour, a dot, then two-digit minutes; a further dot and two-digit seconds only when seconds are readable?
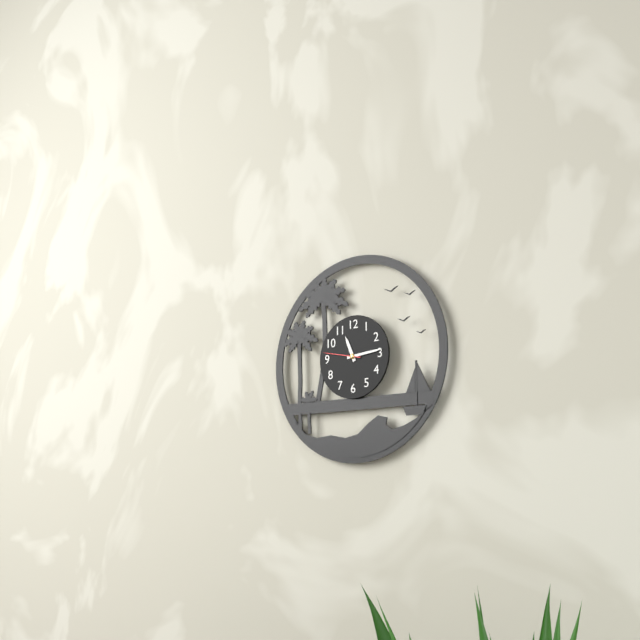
11.14
